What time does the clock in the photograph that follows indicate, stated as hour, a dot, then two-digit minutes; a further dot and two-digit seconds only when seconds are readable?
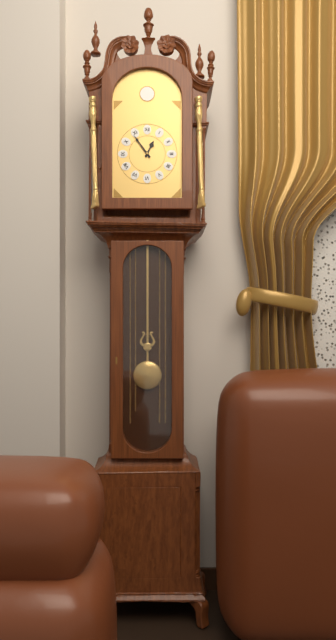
12.54
